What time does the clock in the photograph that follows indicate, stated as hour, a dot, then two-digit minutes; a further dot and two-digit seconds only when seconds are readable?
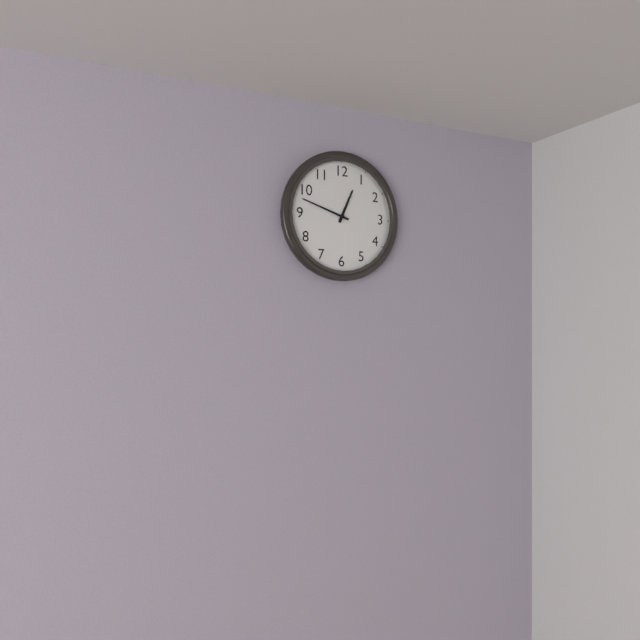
12.48
